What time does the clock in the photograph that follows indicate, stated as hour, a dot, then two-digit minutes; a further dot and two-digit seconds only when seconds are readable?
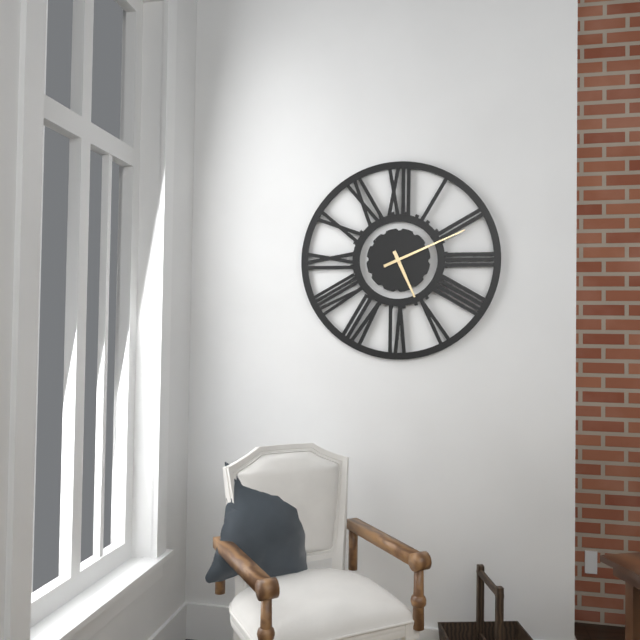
5.11
